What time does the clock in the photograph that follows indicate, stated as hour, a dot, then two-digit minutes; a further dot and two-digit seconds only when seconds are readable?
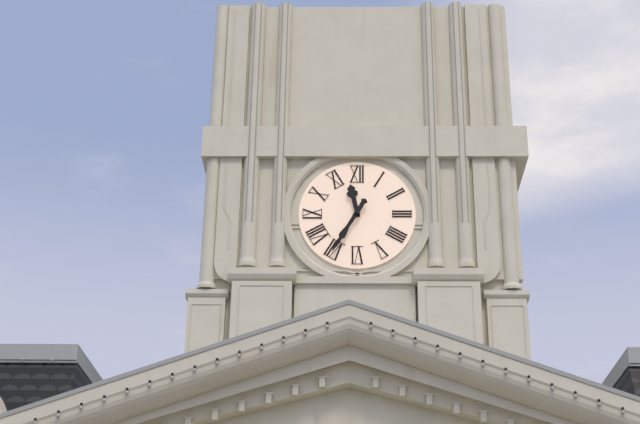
11.35
